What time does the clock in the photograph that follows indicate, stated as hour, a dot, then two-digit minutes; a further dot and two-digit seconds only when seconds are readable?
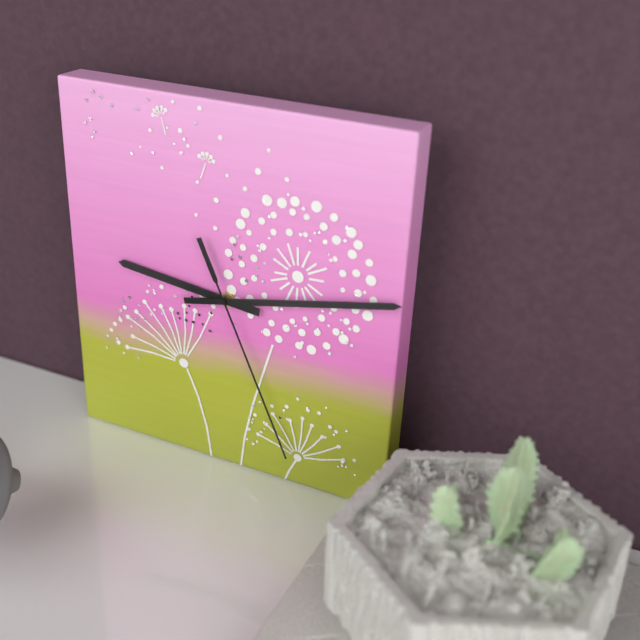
9.13.26
